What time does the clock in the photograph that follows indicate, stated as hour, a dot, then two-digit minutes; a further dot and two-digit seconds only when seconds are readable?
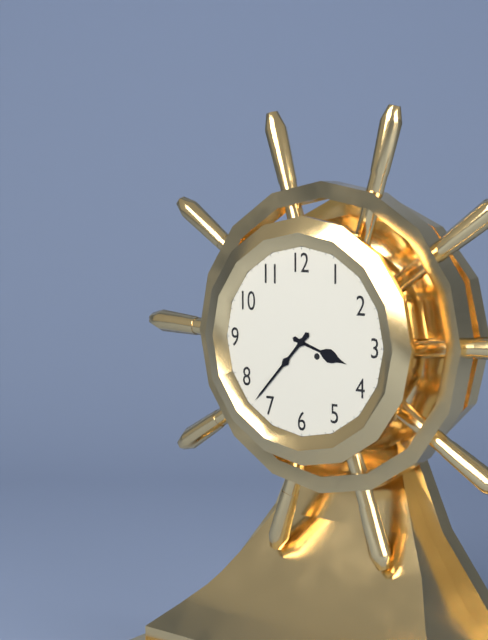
3.37
